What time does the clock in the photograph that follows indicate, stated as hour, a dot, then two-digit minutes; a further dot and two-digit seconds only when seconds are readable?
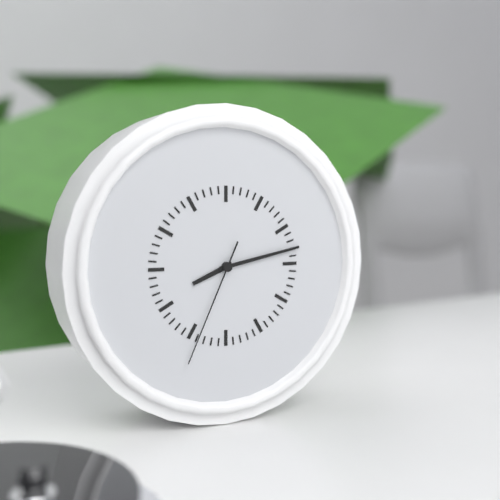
8.13.34
